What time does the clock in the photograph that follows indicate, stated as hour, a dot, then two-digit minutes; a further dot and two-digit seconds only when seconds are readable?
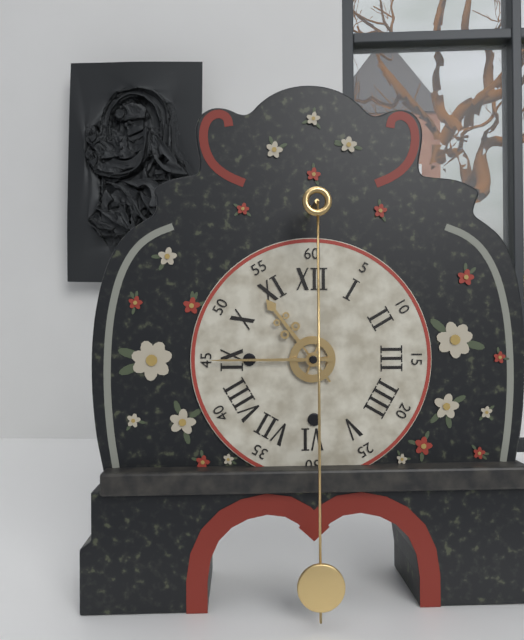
10.45
